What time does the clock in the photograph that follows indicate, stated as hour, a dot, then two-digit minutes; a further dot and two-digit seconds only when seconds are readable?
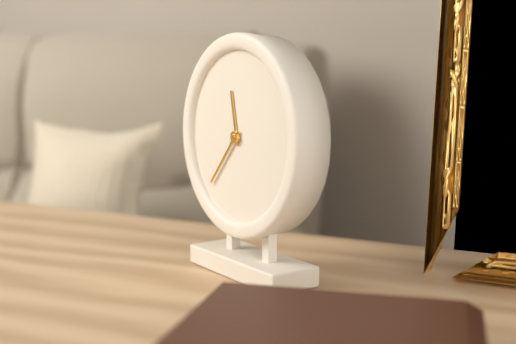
11.37
